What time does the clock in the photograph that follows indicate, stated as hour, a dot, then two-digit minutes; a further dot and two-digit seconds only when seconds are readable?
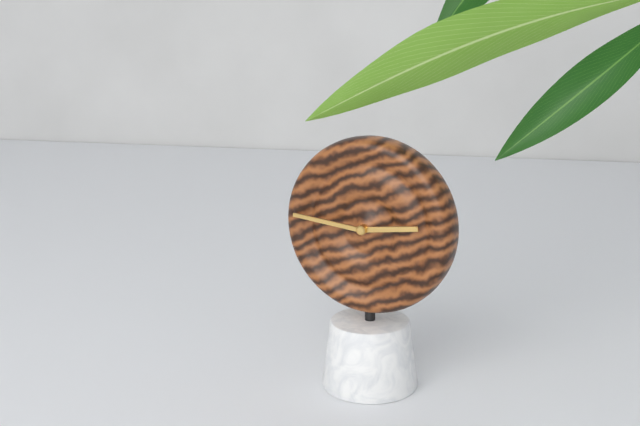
2.46
